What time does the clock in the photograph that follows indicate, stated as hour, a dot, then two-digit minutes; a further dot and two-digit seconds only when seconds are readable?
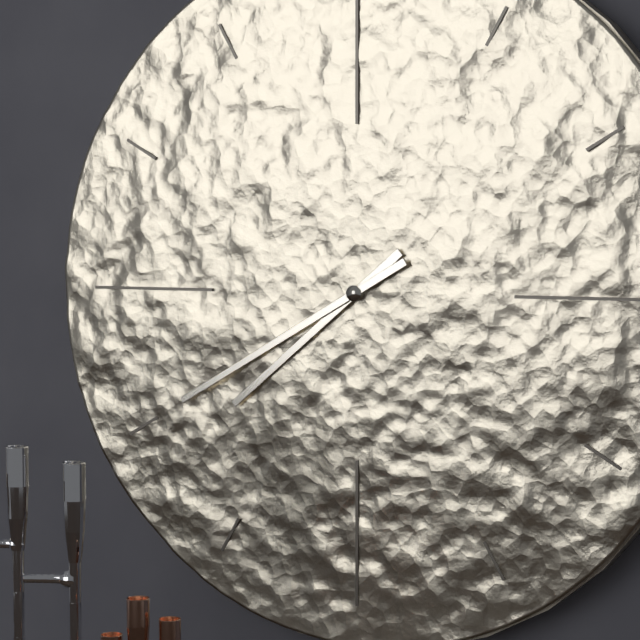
7.40
